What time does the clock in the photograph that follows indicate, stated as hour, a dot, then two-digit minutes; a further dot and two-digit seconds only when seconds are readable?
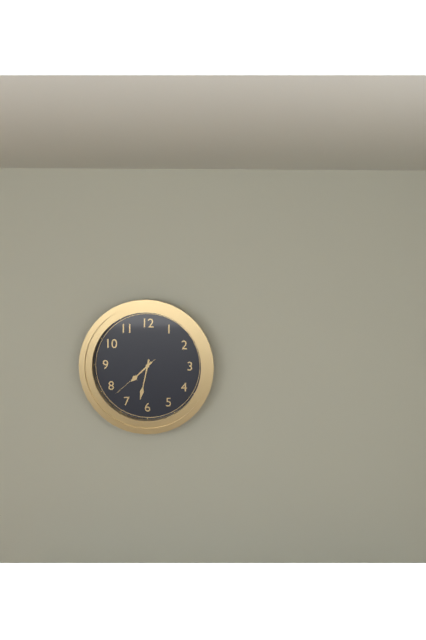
7.32.38
